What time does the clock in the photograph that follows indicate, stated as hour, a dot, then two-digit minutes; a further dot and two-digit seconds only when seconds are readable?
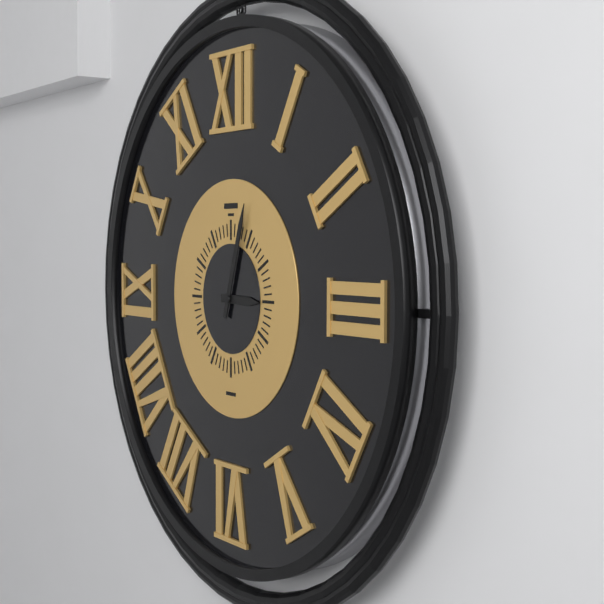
3.03
